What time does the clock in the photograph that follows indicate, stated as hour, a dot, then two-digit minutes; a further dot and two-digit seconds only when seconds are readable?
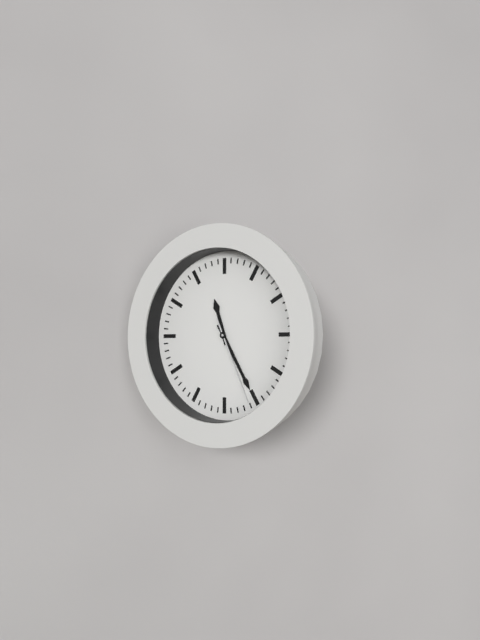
11.25.26
